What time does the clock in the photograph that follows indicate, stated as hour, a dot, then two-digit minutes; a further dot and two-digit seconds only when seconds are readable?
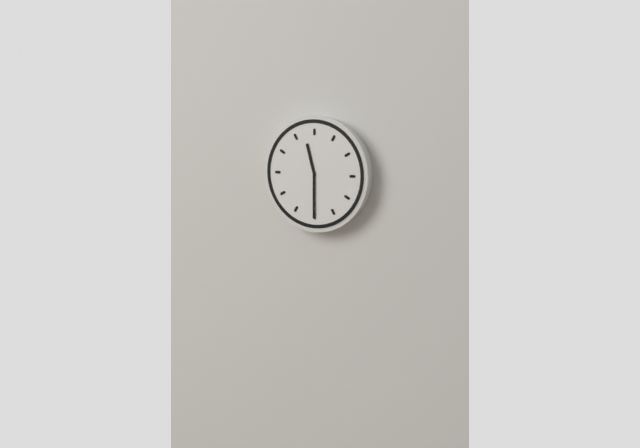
11.30
